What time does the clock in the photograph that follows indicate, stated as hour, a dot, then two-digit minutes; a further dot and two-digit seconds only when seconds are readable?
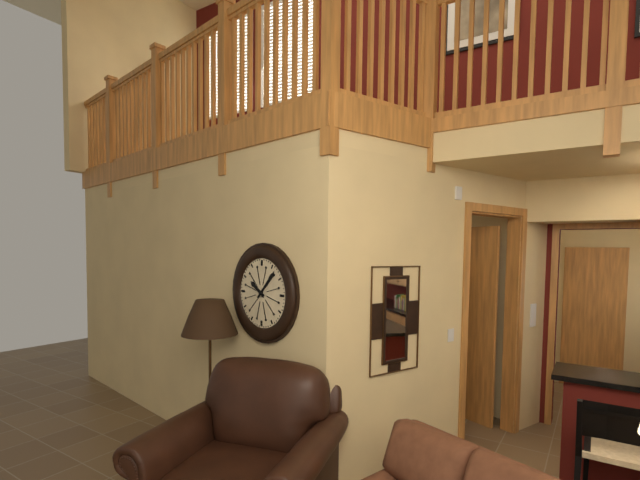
10.07
